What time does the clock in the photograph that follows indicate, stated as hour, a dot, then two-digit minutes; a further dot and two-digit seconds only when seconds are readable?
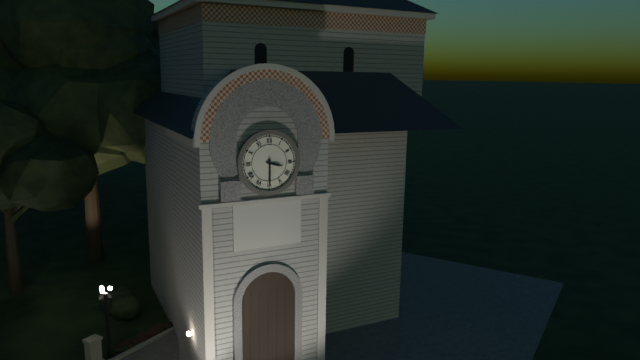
3.30
